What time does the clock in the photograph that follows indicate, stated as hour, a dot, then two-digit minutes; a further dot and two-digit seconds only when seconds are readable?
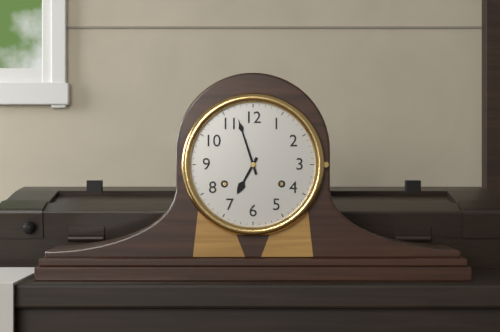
6.57
